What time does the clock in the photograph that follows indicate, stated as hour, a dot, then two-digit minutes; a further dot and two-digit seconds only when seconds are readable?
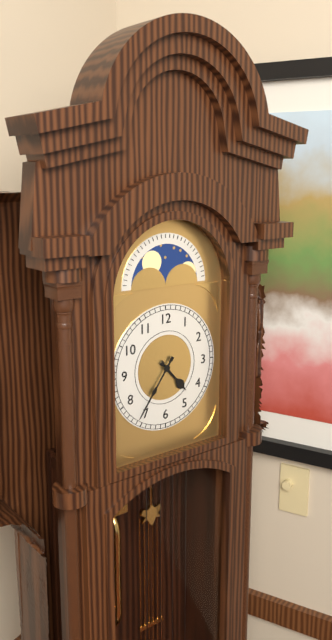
4.36
